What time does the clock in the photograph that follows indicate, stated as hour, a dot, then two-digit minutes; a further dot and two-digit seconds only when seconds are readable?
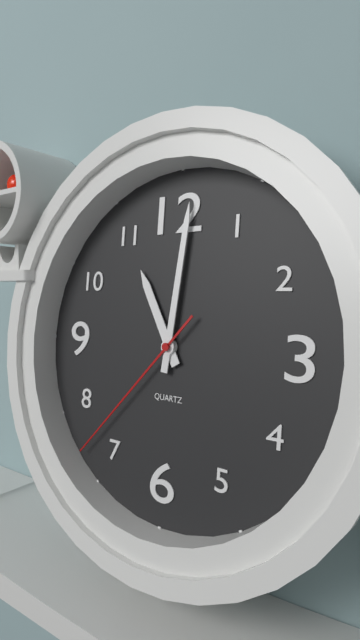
11.01.37
